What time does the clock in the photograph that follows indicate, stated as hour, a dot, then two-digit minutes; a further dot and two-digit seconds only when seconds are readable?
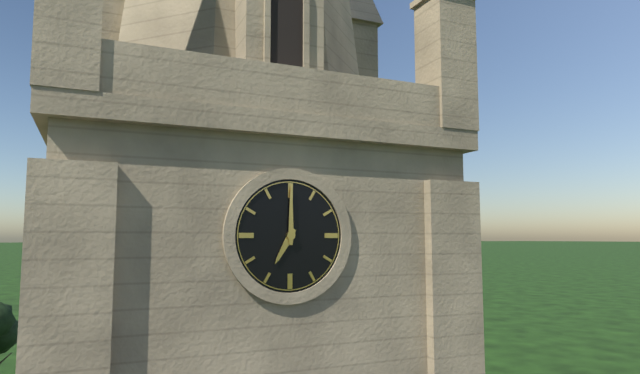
7.00
